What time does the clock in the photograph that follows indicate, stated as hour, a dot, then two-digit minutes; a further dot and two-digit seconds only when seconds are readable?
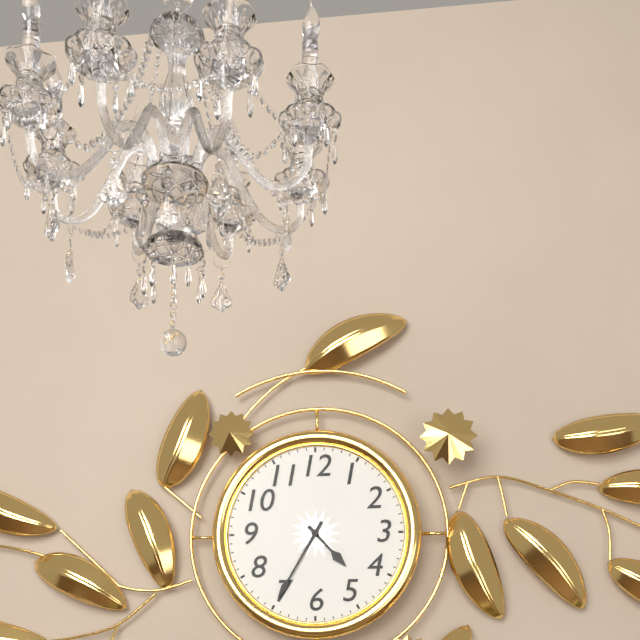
4.35
